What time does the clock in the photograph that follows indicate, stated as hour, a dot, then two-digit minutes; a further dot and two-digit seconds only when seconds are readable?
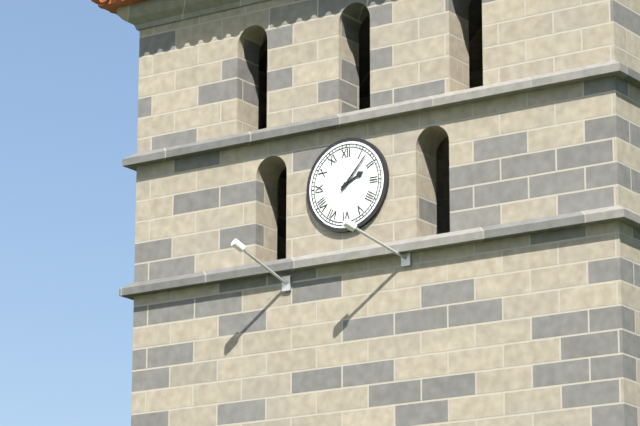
2.07
